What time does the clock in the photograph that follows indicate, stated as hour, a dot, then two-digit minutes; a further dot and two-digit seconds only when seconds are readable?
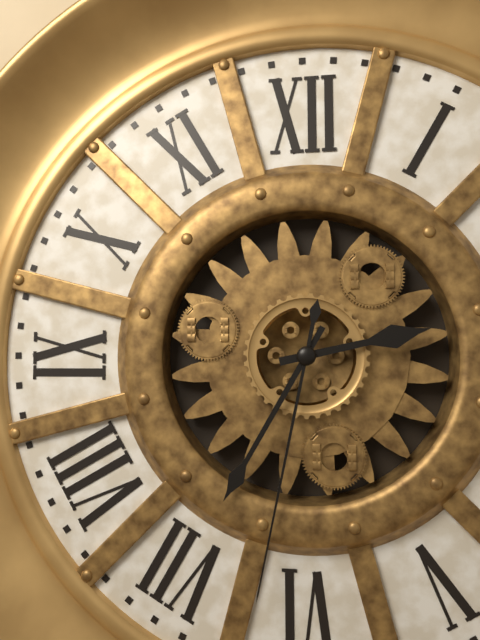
2.35.32
